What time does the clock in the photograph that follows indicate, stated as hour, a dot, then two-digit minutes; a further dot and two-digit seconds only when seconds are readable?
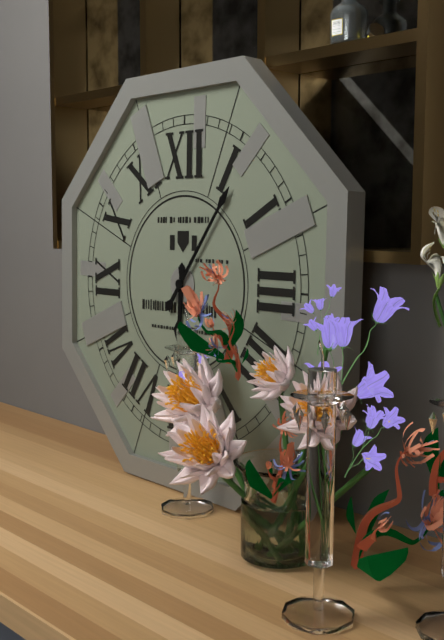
6.06
